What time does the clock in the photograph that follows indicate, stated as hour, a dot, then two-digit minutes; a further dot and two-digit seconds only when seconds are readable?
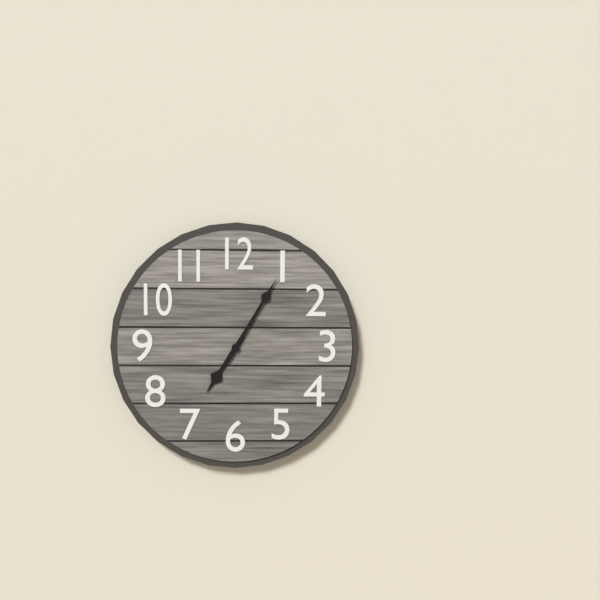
7.05
